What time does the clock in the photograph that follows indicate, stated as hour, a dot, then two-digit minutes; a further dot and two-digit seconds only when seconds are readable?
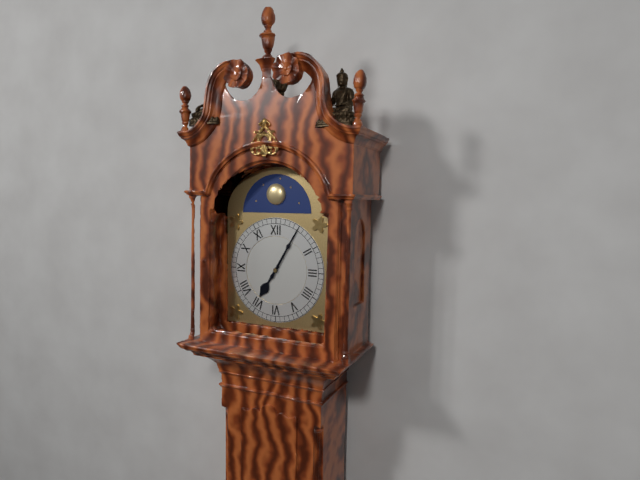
7.05
